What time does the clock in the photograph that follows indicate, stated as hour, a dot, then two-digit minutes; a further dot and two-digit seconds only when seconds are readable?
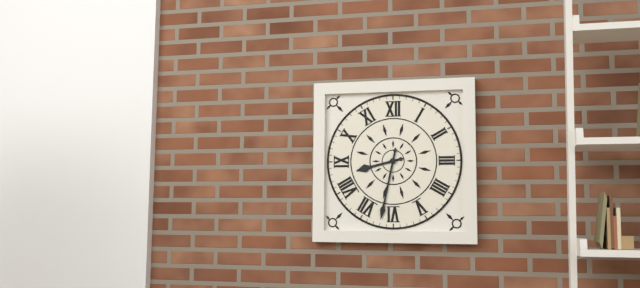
8.32
